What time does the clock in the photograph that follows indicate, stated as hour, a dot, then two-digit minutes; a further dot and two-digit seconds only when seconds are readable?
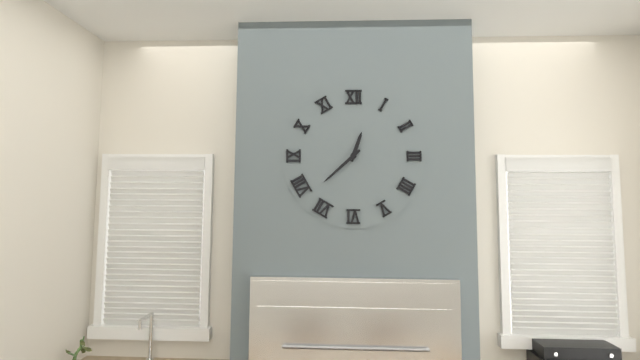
12.38
